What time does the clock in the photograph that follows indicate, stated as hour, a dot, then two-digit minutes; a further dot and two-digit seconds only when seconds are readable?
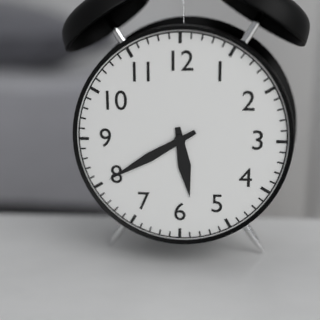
5.40
